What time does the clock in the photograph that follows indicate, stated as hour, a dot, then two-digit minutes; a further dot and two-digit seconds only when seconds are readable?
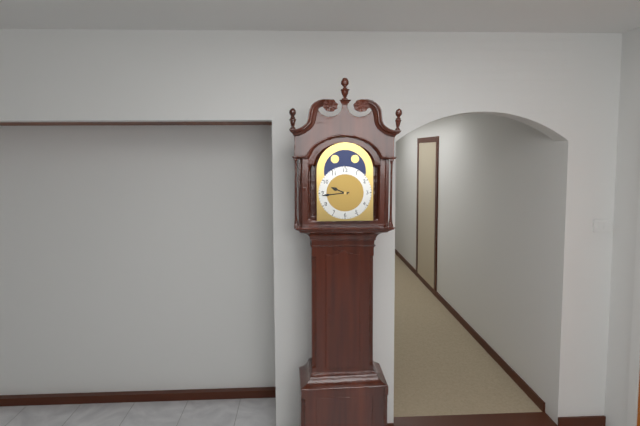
9.44
